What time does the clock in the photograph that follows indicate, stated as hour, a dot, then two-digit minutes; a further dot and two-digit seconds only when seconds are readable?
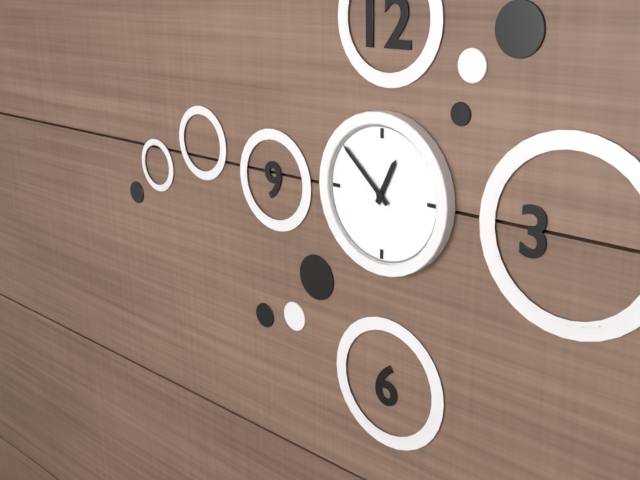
12.52
